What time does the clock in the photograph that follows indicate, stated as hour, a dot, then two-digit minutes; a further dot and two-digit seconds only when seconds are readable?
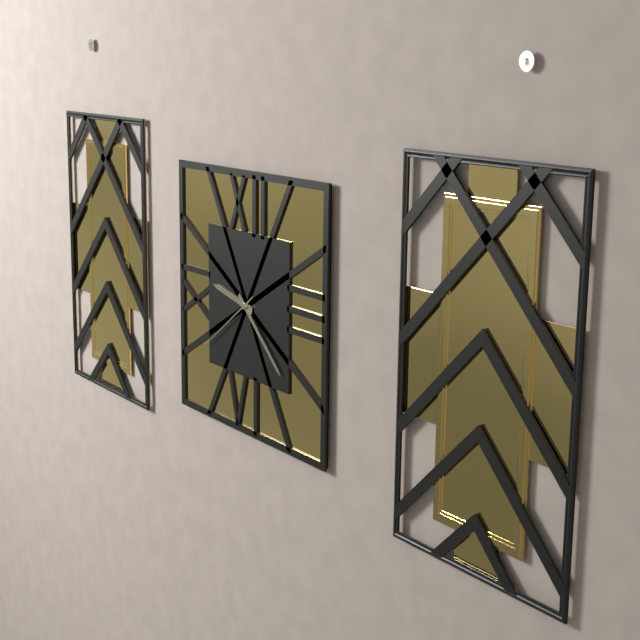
9.22.39
